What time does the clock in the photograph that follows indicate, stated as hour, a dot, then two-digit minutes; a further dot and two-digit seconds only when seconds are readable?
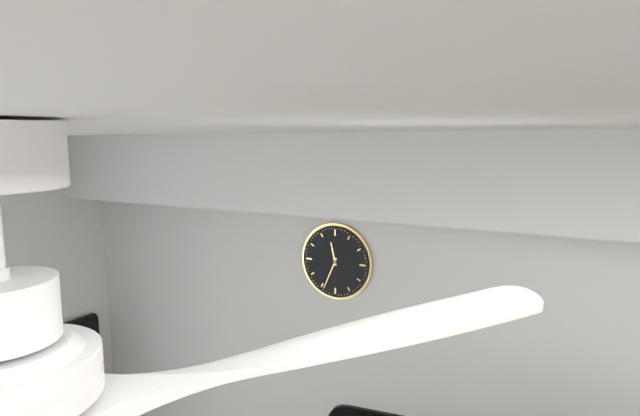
11.34
